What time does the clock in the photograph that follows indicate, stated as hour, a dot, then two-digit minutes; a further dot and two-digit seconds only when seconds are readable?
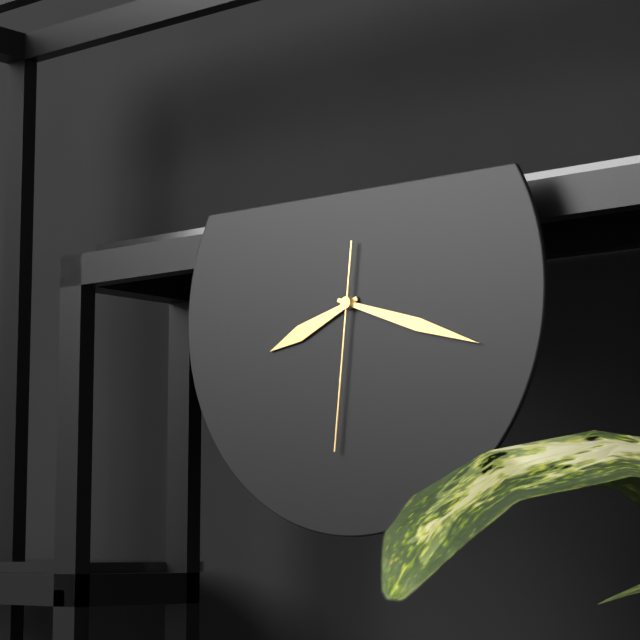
8.18.31
